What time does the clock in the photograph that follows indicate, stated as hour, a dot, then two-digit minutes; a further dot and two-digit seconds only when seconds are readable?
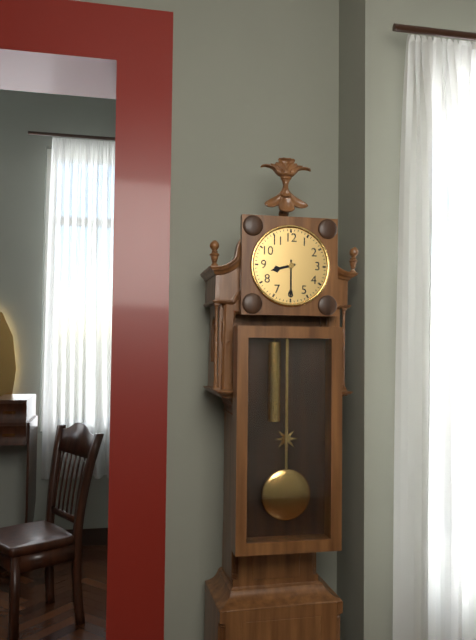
8.30
